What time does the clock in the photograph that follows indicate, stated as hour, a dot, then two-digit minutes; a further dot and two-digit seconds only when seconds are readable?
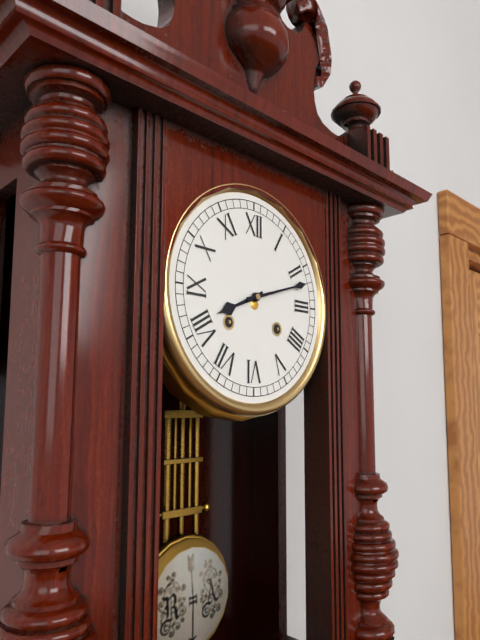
8.12
